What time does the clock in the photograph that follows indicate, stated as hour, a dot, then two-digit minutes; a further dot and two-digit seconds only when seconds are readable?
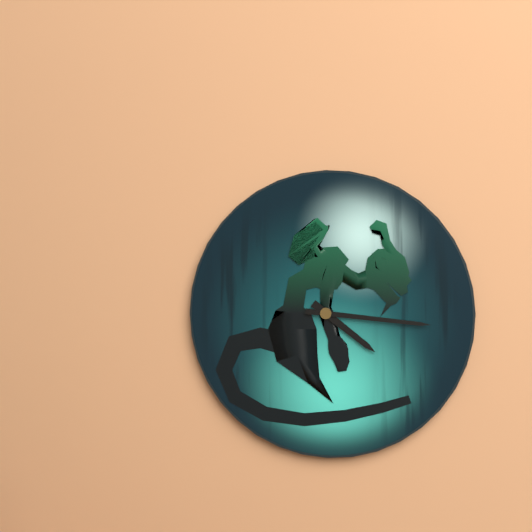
4.16
